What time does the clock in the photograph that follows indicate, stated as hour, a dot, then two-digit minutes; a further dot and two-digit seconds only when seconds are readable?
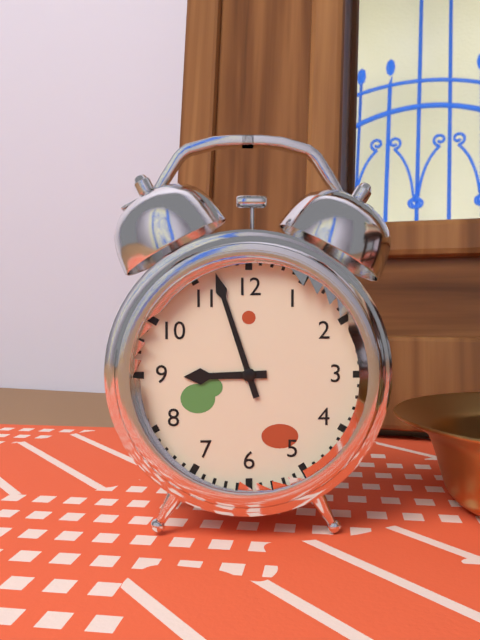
8.57
